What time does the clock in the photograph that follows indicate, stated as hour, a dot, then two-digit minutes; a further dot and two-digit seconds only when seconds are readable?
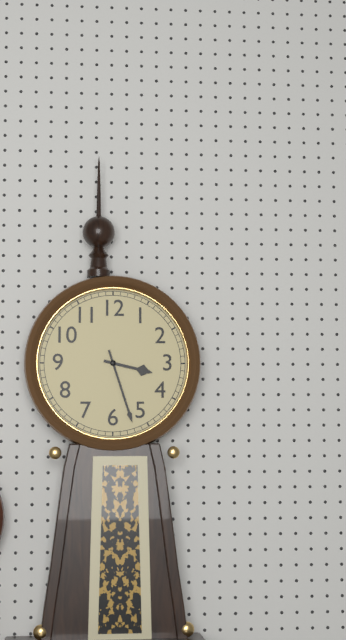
3.27
